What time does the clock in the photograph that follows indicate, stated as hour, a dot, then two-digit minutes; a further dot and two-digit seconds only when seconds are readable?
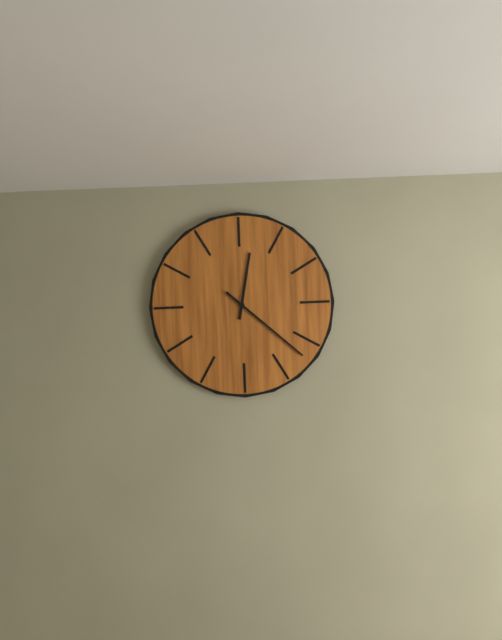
12.22
